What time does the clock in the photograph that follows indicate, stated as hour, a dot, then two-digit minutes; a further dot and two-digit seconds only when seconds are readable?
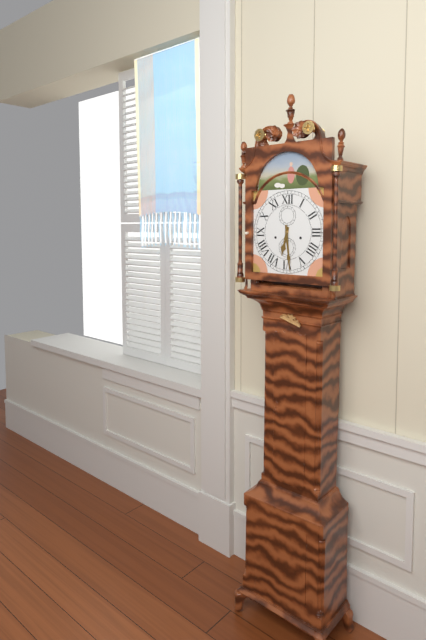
6.29
